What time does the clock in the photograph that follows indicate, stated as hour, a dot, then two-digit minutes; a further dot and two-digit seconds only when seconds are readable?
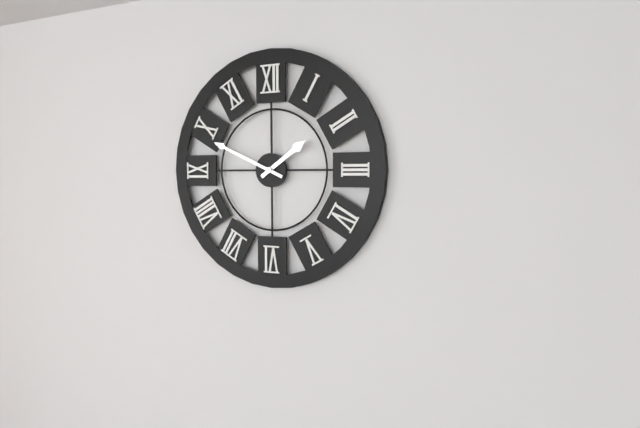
1.49
